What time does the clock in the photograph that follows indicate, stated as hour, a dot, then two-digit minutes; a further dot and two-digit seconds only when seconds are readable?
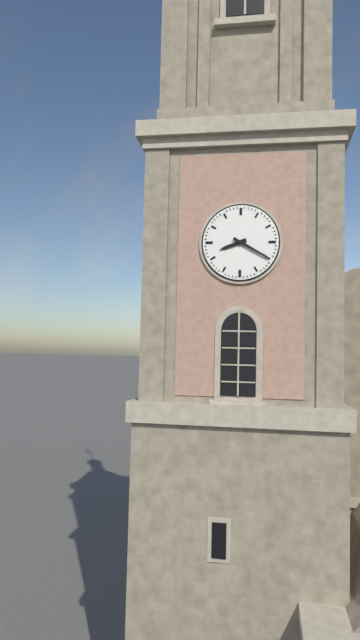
8.20
